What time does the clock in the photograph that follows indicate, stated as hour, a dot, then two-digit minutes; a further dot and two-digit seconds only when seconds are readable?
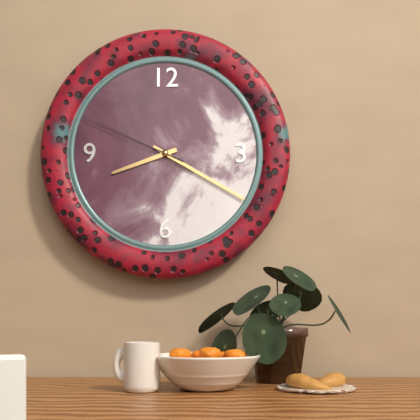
8.20.49
